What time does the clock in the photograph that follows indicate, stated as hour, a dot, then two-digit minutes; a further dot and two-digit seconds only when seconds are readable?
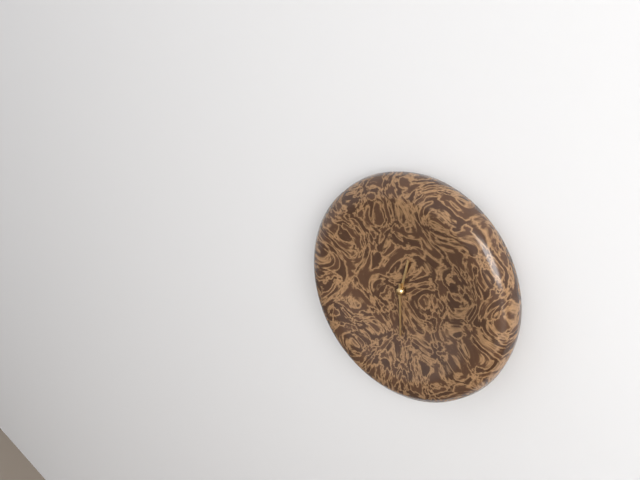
12.30
